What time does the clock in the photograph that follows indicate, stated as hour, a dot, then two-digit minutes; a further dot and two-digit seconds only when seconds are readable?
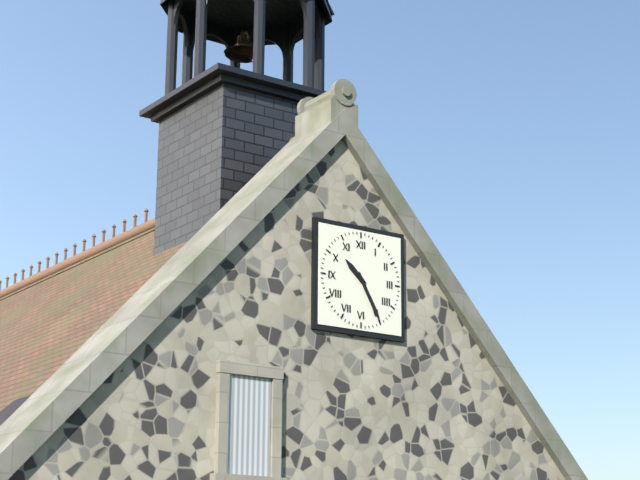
10.25
